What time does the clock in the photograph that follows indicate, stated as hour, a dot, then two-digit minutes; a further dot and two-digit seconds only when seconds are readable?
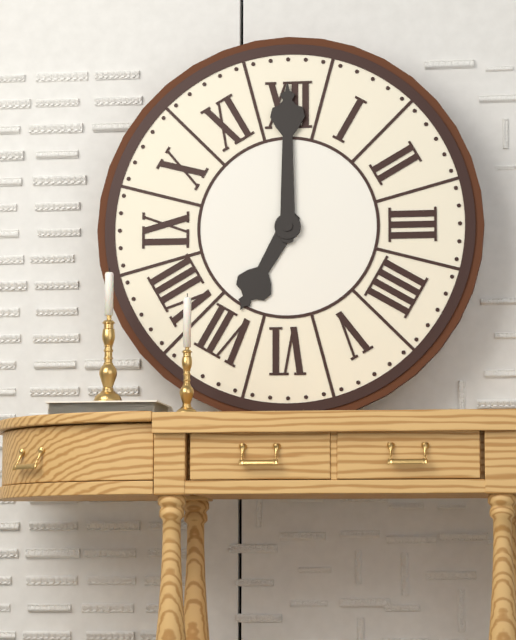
7.00
